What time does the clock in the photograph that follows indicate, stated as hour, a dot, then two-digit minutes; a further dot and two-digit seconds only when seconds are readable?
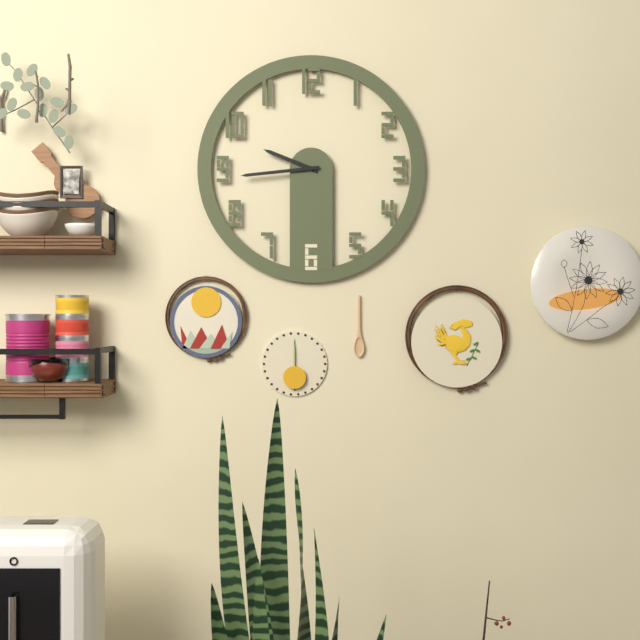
9.44
